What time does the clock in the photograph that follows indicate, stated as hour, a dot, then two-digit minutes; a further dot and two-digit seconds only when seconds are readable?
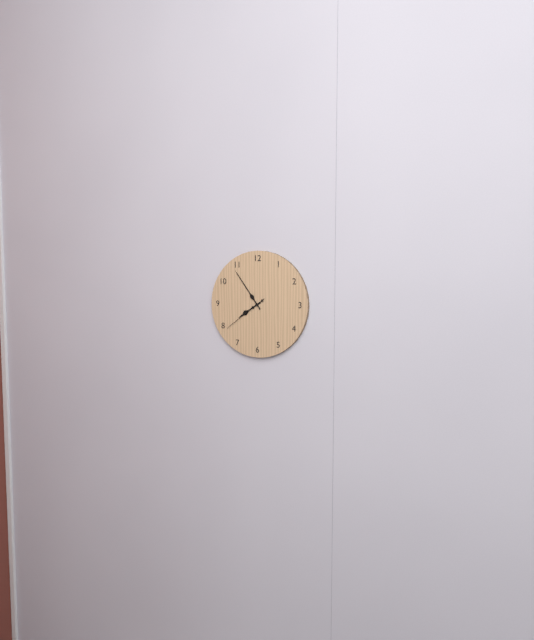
7.54
